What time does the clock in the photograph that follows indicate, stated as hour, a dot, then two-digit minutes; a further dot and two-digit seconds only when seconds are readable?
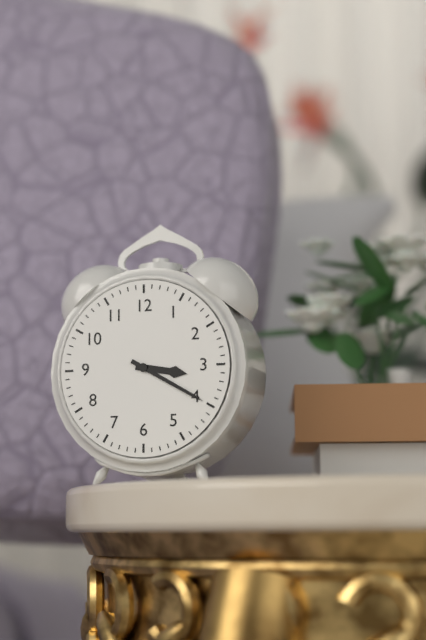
3.20
